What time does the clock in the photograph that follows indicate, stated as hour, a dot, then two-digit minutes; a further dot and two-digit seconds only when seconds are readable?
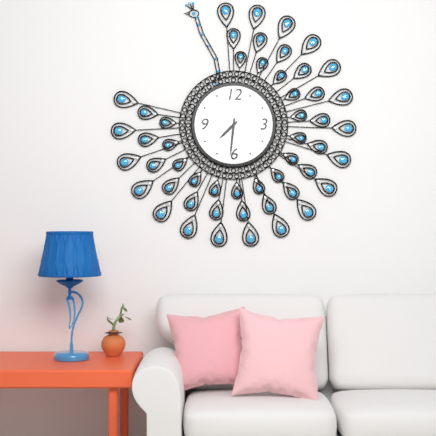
7.31
